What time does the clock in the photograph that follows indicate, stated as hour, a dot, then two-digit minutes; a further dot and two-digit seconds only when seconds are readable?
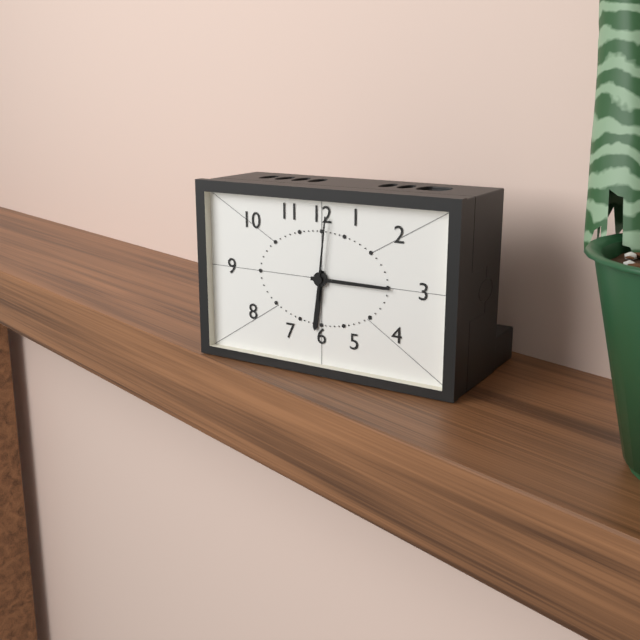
6.15.01
